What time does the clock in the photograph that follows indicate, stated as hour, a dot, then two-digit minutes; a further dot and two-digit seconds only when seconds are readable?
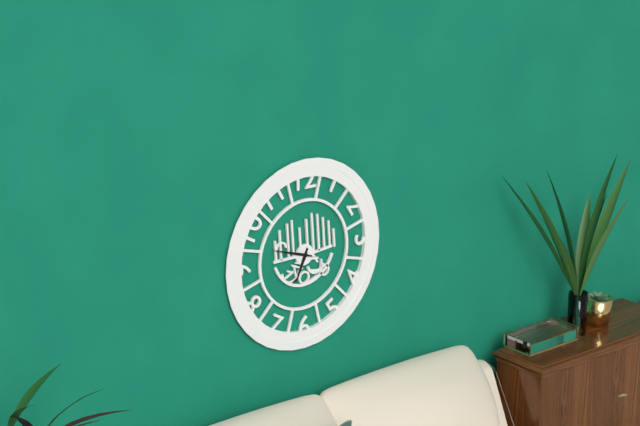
6.48
